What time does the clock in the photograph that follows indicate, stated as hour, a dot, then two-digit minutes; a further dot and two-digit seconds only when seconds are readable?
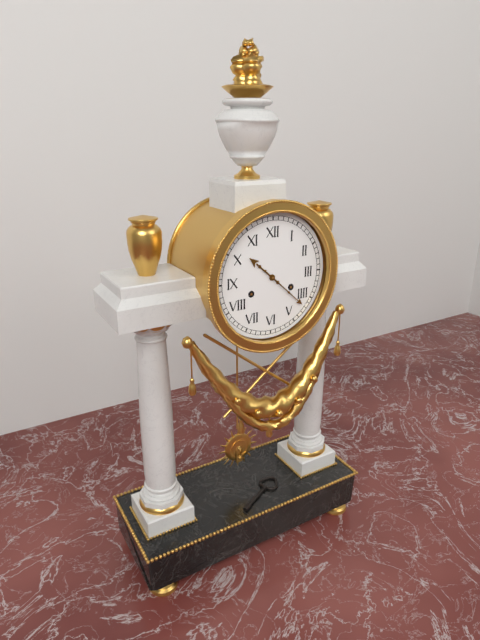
10.22
